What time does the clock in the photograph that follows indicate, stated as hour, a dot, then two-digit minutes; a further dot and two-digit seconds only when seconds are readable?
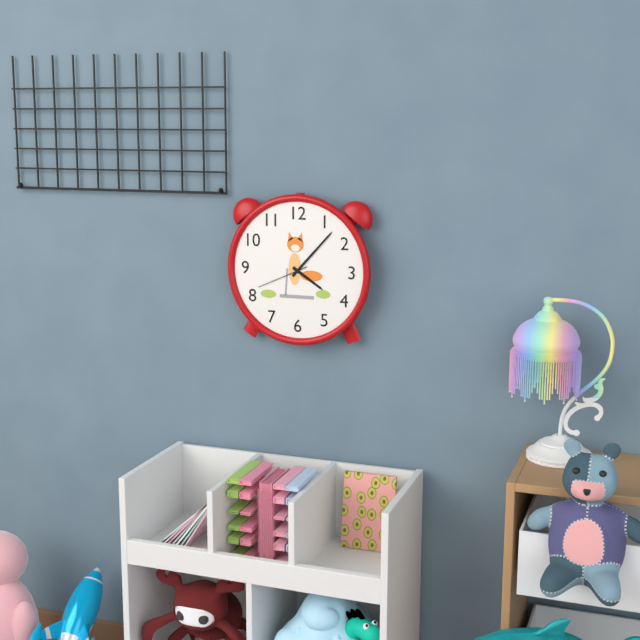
4.07.41
